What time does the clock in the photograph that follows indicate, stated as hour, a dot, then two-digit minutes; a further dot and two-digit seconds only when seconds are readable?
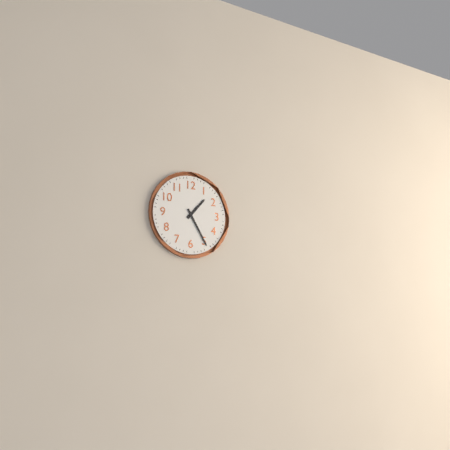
1.25
